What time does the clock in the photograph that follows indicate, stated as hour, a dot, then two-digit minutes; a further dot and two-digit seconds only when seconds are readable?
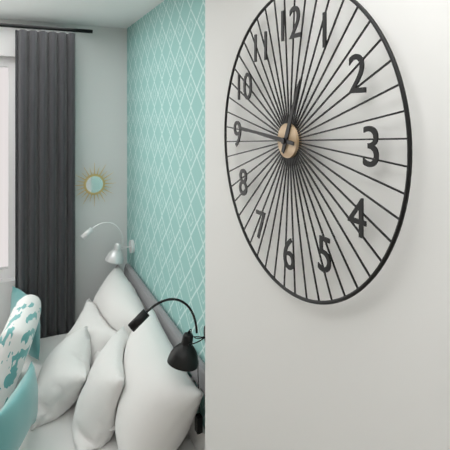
12.46
